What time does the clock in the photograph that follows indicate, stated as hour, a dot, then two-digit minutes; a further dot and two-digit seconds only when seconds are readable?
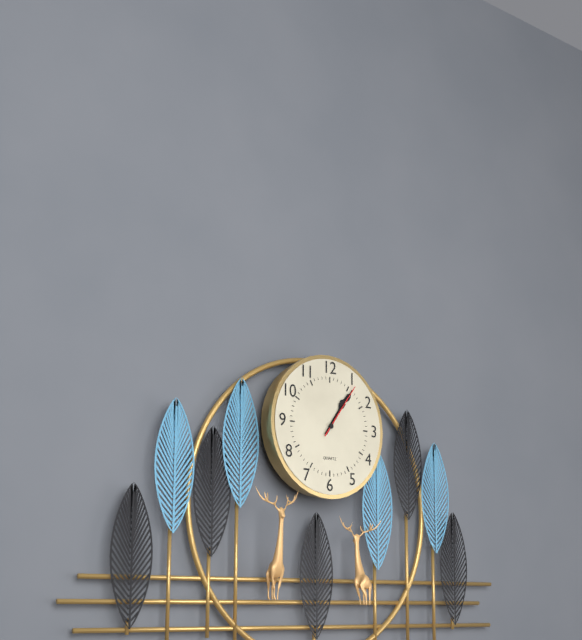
1.06.06
